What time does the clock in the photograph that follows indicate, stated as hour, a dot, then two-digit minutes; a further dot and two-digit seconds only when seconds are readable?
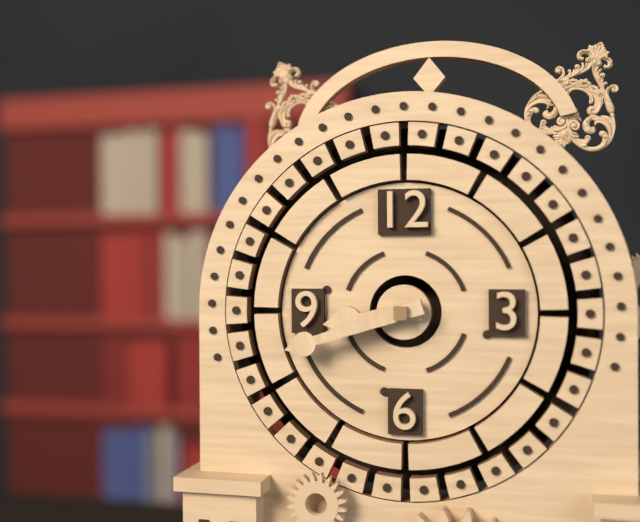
8.42
